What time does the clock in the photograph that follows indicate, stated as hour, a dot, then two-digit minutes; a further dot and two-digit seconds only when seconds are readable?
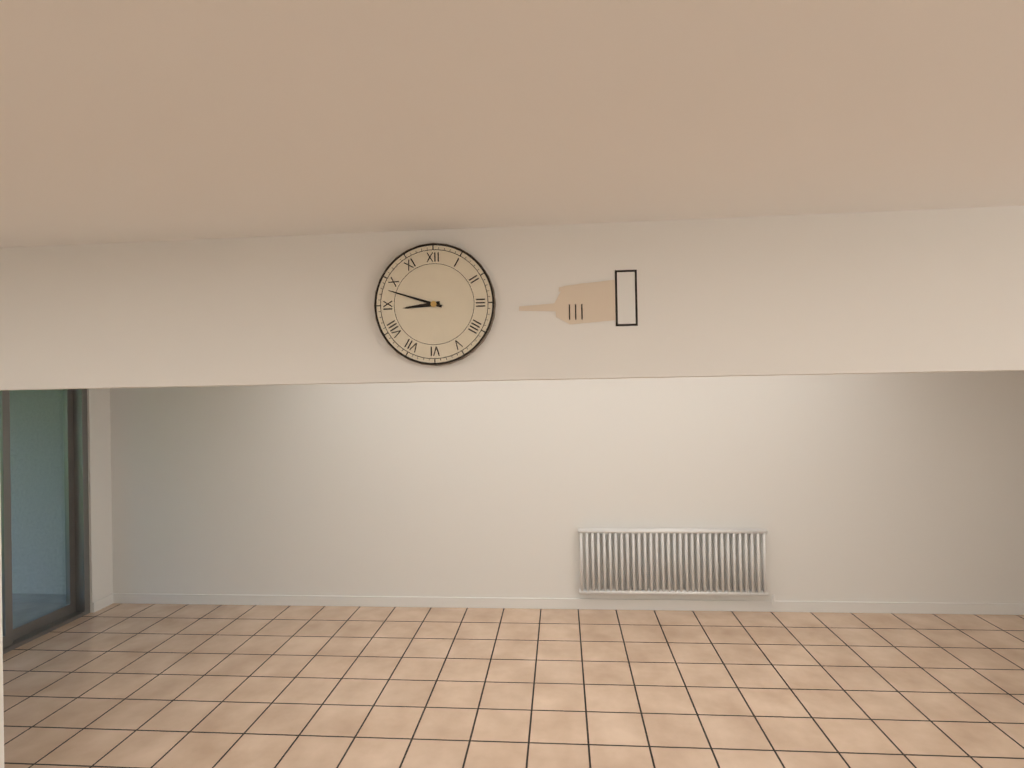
8.48
